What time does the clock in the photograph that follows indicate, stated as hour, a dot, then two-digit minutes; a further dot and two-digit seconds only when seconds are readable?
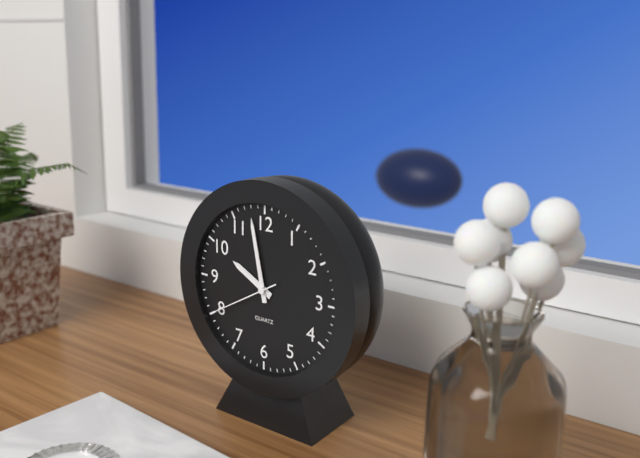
9.58.40
